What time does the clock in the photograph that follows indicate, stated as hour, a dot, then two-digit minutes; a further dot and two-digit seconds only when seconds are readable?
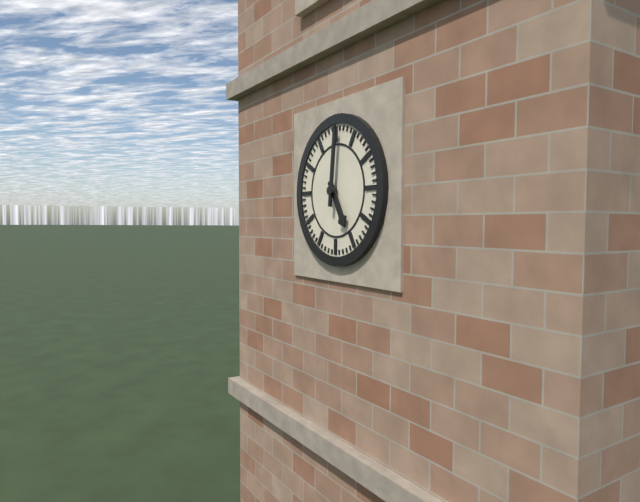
5.01
